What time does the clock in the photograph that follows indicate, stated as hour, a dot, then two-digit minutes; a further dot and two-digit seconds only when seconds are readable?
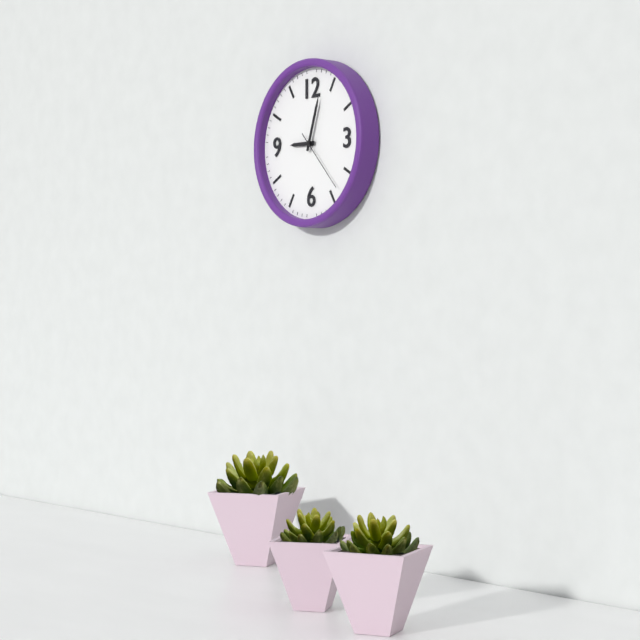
9.03.23
